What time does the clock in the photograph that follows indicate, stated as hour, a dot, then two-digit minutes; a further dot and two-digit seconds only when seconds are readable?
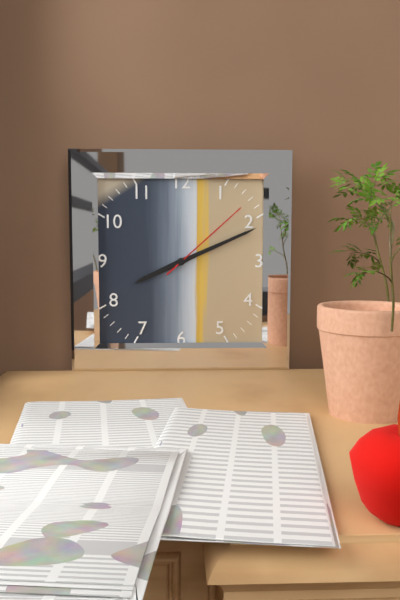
8.11.08
